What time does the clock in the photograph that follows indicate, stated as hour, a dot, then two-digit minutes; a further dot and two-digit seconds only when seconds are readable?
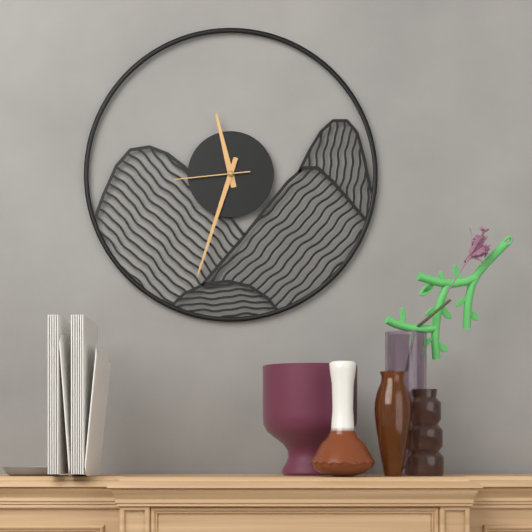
11.33.44
